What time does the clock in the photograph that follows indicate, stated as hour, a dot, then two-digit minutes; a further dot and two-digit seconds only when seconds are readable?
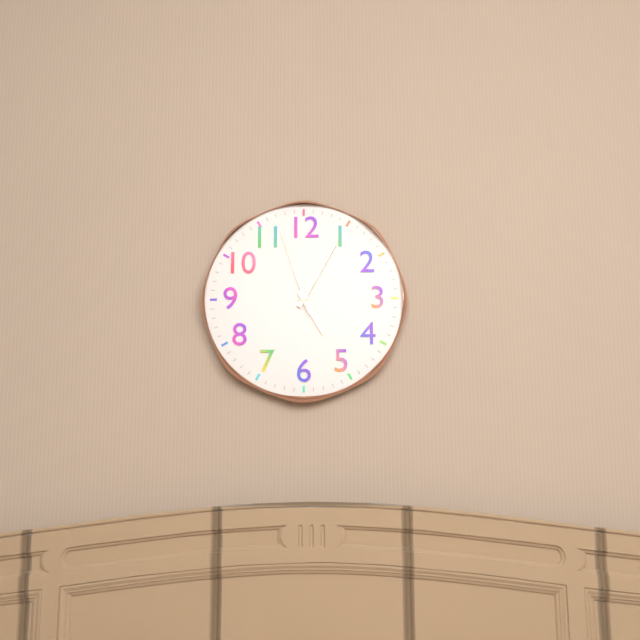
5.05.57
